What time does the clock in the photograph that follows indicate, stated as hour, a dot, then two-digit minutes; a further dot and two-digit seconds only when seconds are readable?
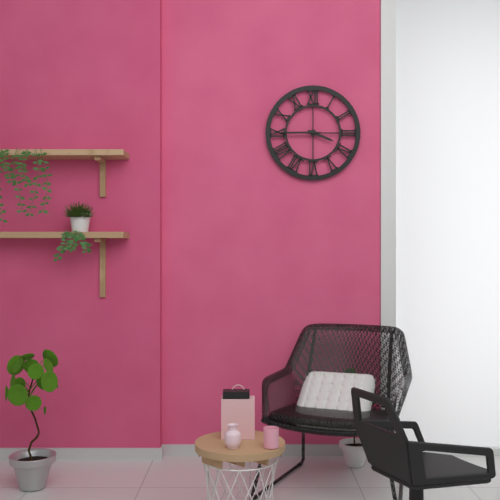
3.45
